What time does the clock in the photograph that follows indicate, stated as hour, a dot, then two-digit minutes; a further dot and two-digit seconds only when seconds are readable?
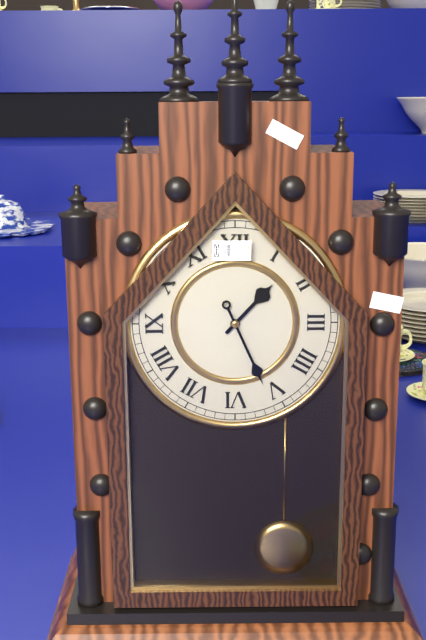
1.26
